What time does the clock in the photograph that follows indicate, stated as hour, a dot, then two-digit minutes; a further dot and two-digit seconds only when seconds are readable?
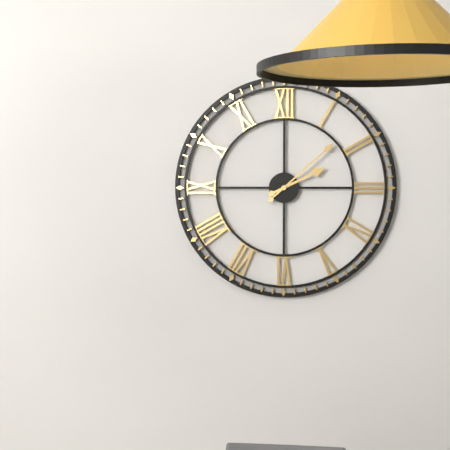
2.08
